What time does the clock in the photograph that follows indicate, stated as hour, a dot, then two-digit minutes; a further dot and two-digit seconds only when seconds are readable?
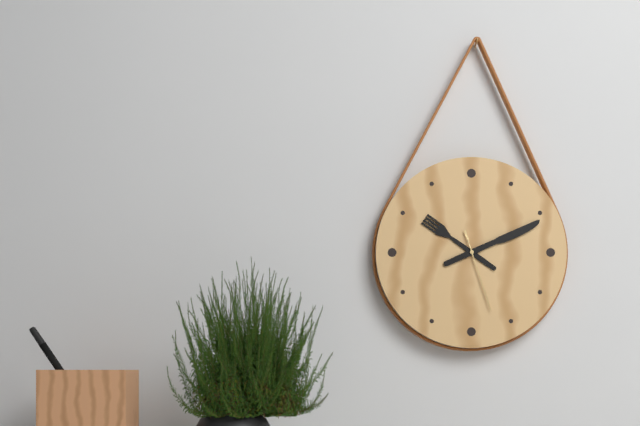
10.11.27
